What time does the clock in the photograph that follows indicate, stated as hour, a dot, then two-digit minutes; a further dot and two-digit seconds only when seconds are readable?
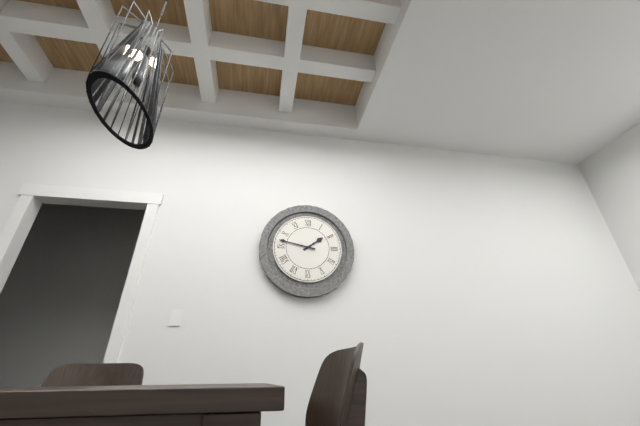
1.47
